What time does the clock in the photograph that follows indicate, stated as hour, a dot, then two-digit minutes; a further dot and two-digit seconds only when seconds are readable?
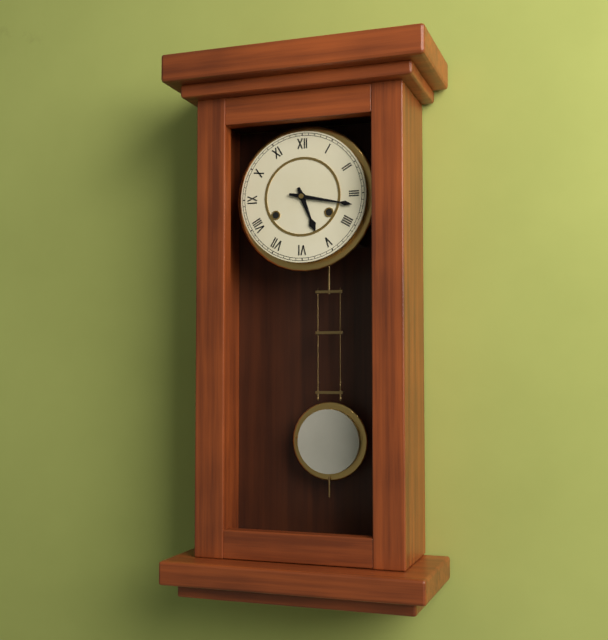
5.17
